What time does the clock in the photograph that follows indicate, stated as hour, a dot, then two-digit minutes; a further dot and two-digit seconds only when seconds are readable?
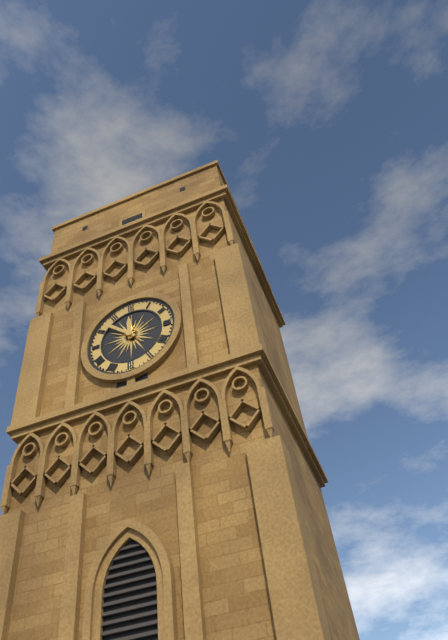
11.52
